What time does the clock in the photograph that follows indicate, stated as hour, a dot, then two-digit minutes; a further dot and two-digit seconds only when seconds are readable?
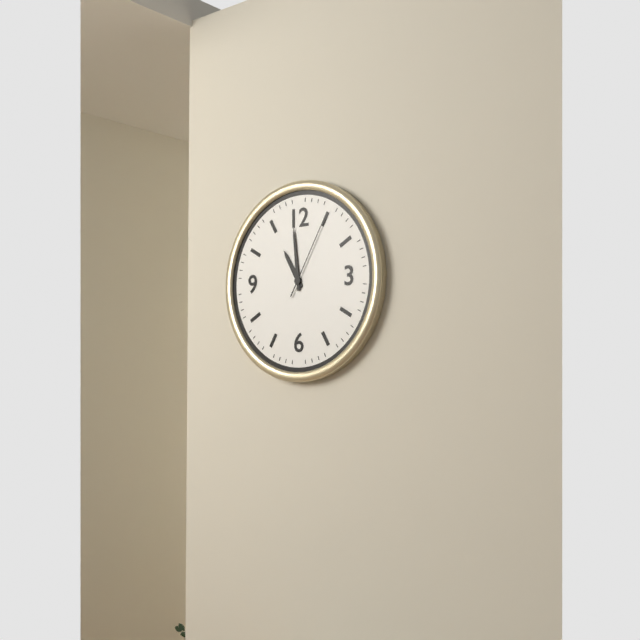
10.59.05
